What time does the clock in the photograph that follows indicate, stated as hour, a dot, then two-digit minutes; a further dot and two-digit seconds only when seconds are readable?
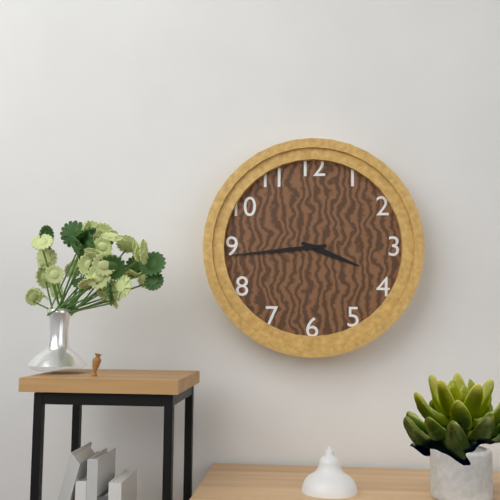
3.44
